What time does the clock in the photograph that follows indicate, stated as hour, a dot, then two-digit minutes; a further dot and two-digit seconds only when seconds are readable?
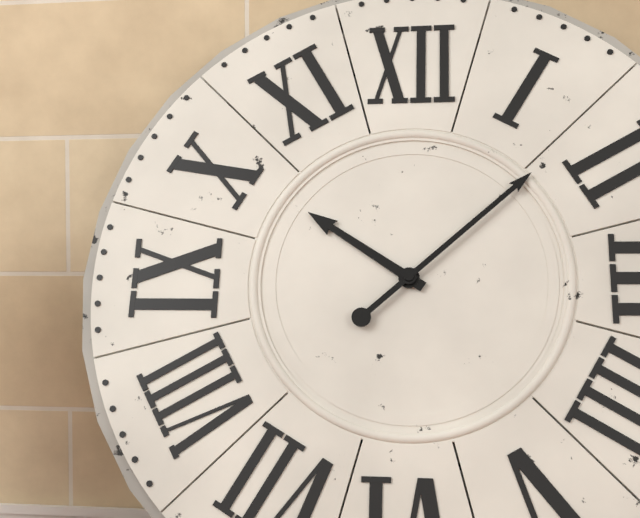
10.08
